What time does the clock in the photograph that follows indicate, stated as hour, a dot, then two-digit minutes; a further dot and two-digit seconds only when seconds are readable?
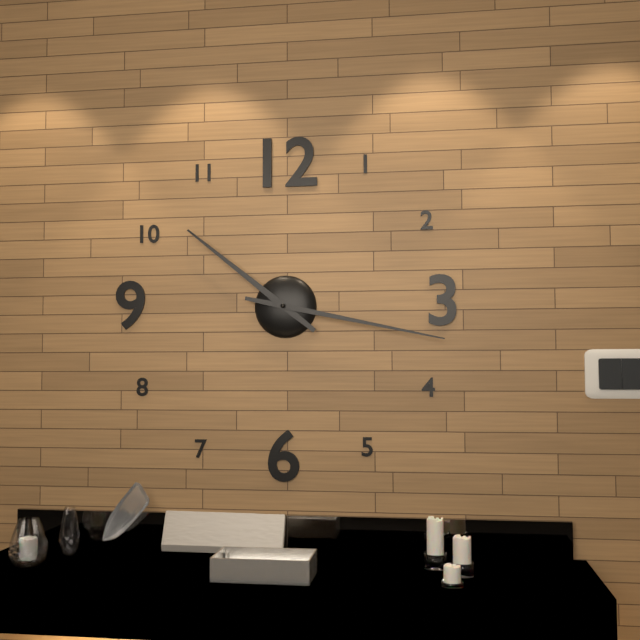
10.17
